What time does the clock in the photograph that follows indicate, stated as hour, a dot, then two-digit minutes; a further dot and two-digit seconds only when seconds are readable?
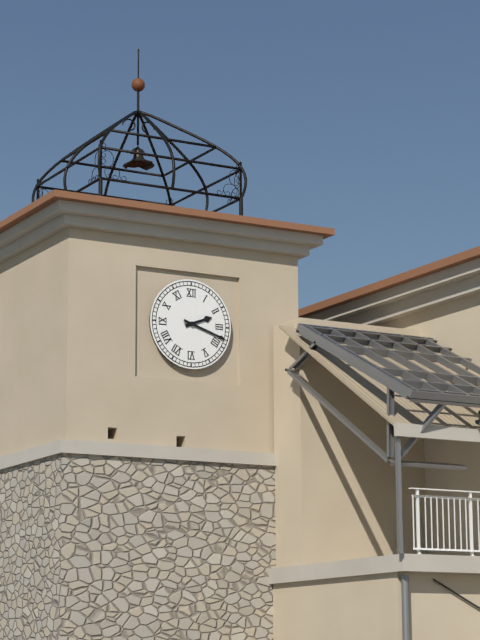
2.18
